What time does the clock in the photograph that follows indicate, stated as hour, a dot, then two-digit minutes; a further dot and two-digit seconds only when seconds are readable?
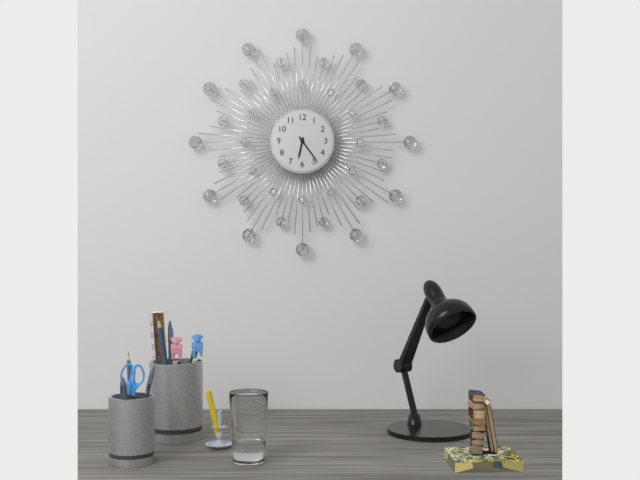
6.24
